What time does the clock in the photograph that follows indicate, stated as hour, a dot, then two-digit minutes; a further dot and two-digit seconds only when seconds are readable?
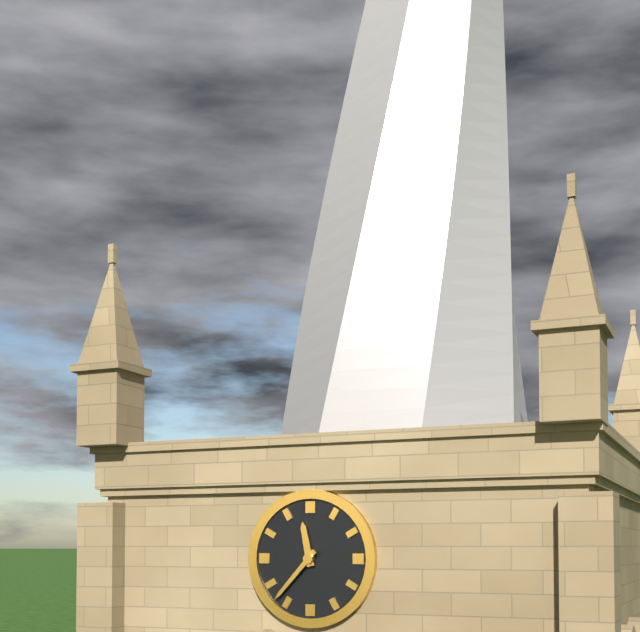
11.37
